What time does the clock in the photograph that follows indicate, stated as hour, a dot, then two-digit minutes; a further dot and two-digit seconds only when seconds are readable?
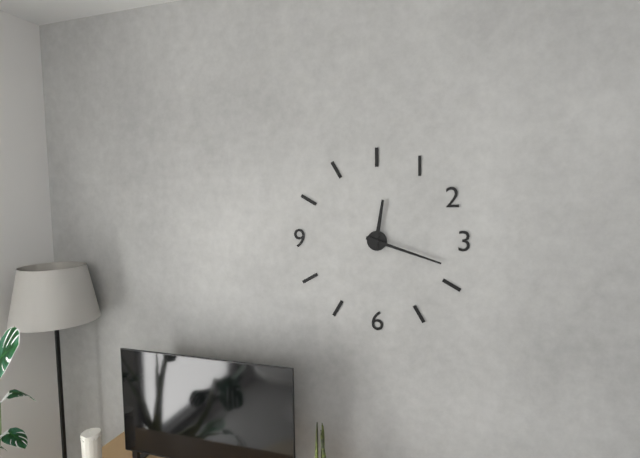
12.18
